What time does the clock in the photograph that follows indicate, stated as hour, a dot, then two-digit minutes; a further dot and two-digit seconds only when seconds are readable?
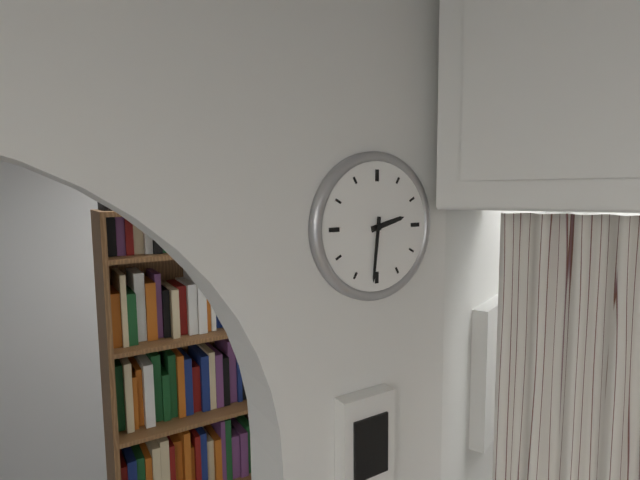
2.31
